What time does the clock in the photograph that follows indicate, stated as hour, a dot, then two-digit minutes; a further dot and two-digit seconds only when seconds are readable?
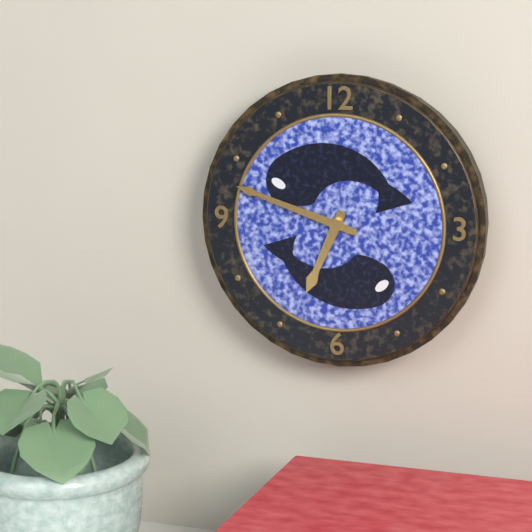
6.48
